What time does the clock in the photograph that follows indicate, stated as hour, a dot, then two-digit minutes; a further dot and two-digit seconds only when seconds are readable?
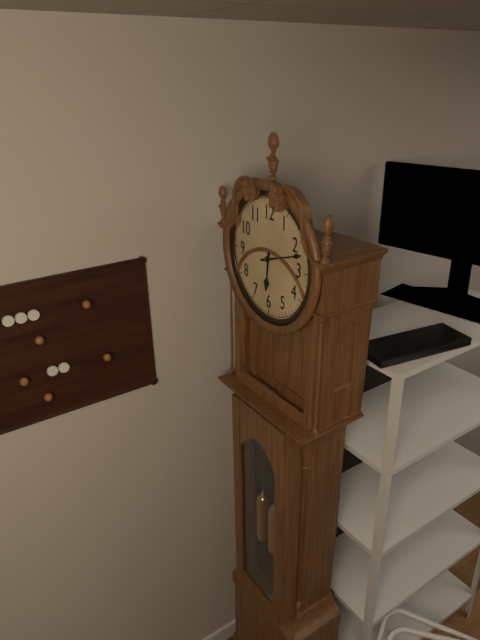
6.12
